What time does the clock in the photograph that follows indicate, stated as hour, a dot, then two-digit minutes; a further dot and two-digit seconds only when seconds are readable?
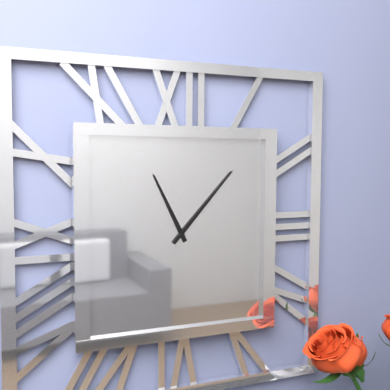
11.07
